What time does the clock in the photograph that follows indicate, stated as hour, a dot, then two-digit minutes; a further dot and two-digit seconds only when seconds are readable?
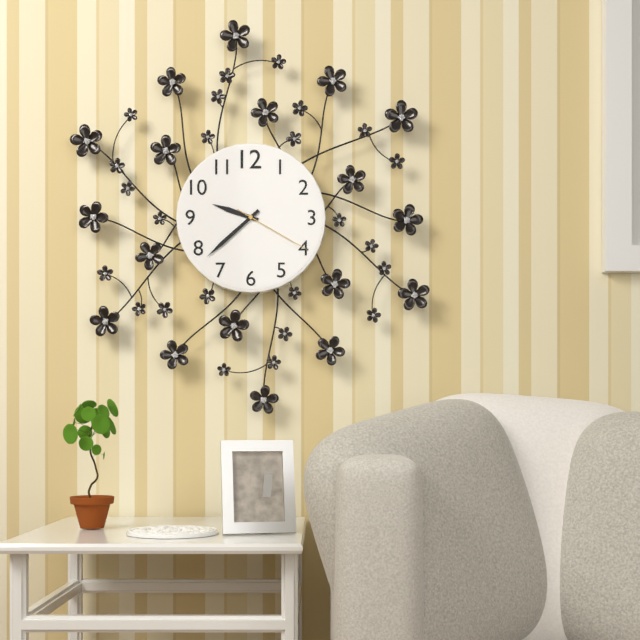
9.38.20
